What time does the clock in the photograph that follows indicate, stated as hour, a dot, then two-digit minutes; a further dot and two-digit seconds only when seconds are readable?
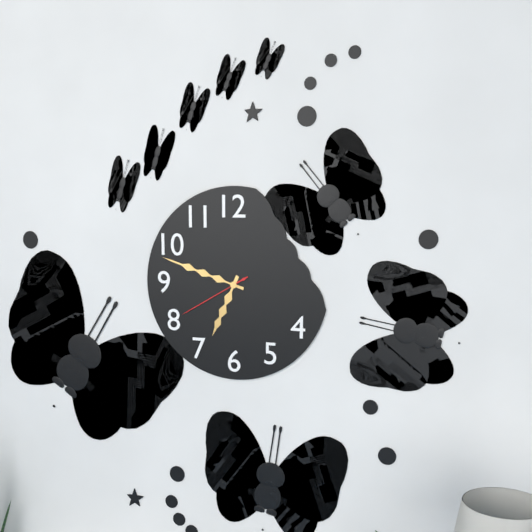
6.48.40
